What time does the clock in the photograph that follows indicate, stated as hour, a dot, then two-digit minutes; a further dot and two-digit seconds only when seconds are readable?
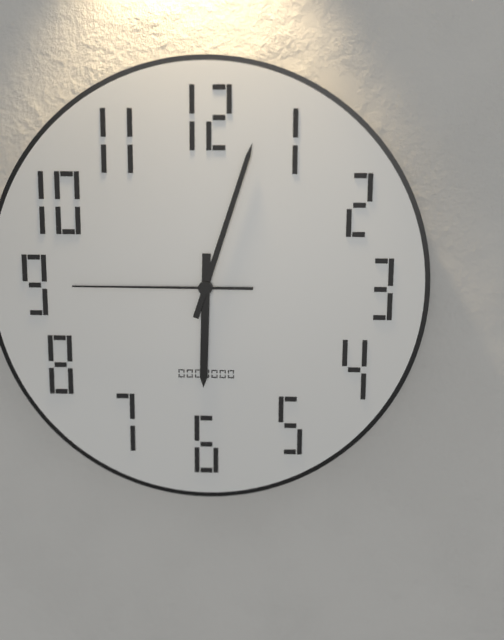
6.03.45
